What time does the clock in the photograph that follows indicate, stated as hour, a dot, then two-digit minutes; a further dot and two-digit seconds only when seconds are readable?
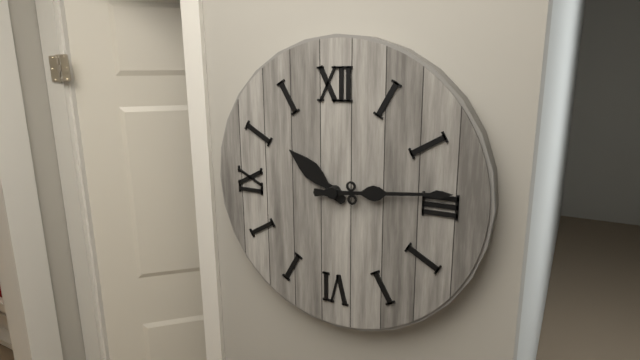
10.14
